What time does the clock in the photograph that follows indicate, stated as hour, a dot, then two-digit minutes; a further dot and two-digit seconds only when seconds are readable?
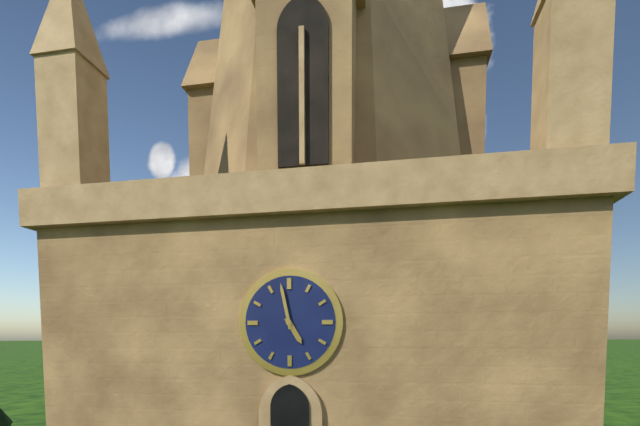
4.58
